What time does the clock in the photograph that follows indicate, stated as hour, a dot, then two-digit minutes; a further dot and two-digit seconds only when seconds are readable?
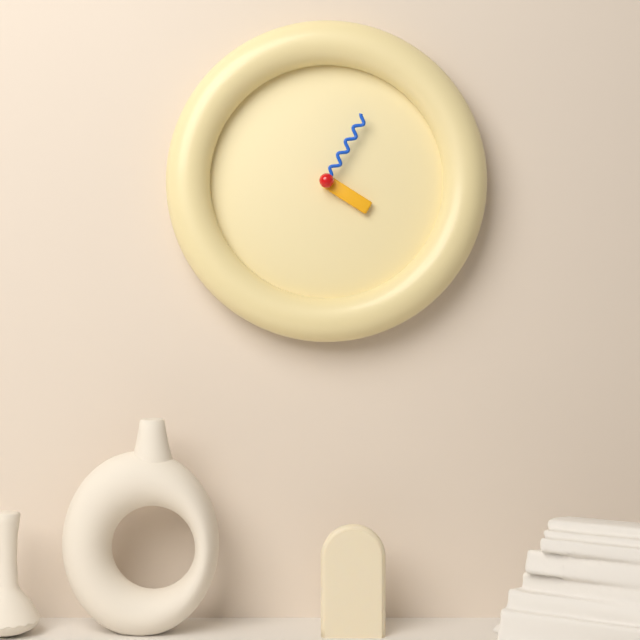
4.05
